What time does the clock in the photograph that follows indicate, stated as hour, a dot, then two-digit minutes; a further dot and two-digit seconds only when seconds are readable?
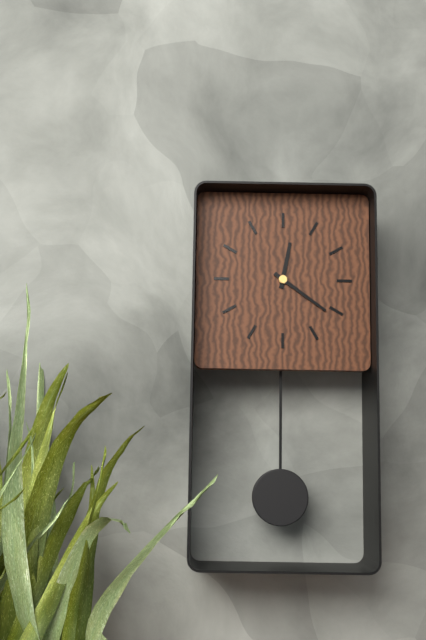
12.21
